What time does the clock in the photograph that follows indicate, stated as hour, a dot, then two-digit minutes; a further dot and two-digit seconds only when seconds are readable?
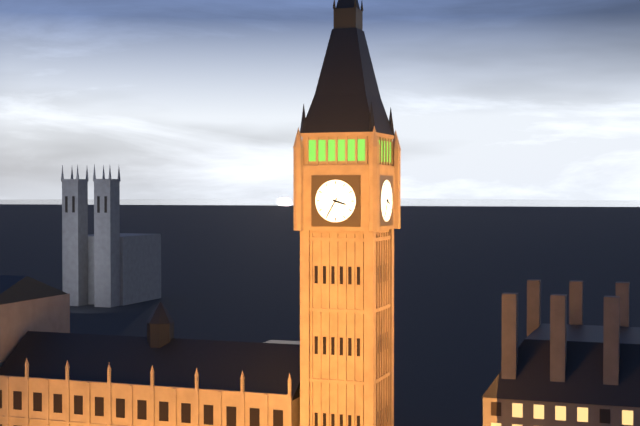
3.35
